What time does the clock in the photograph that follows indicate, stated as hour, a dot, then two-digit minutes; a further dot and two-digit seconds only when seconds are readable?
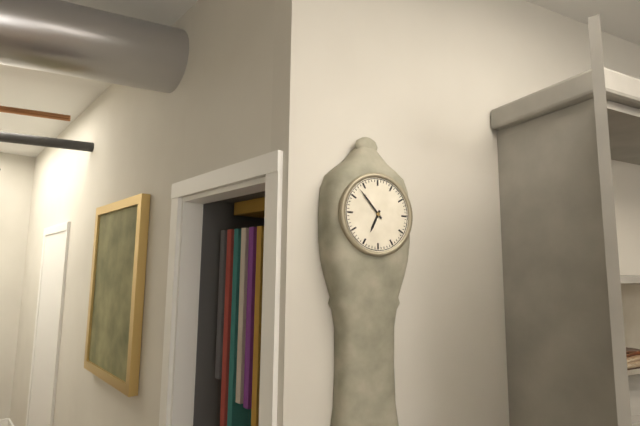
6.53
